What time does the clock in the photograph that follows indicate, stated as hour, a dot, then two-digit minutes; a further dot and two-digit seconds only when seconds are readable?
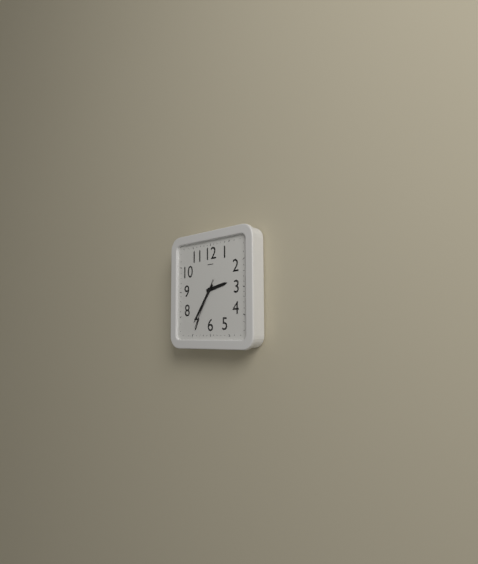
2.36.35
